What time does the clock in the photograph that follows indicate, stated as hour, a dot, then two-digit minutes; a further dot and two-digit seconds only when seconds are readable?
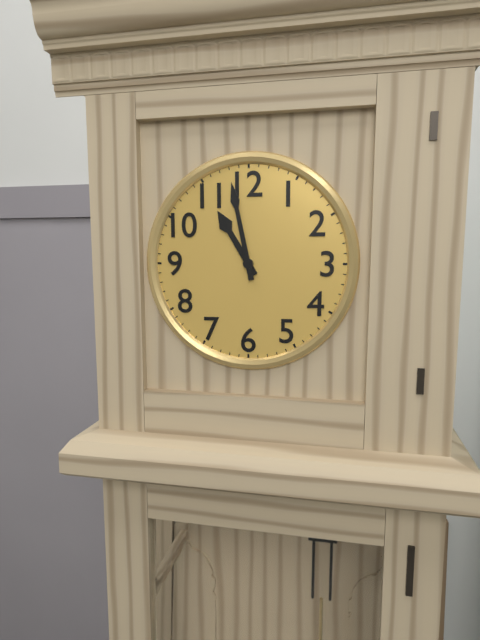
10.58
